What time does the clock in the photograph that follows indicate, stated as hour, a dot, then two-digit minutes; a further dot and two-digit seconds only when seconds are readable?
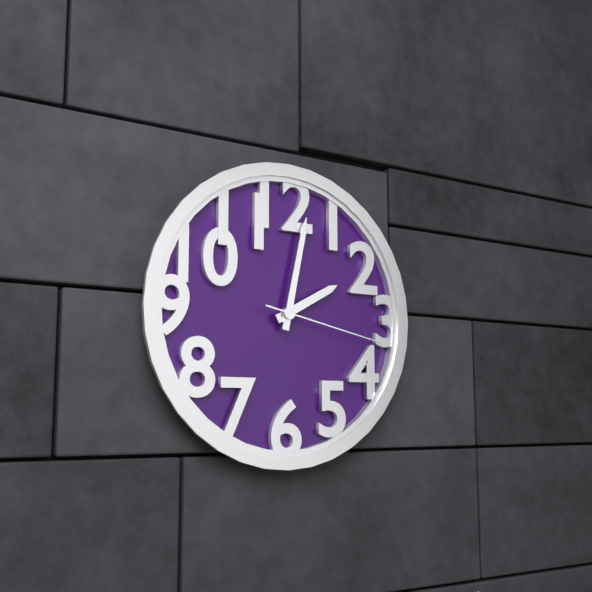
2.02.17
